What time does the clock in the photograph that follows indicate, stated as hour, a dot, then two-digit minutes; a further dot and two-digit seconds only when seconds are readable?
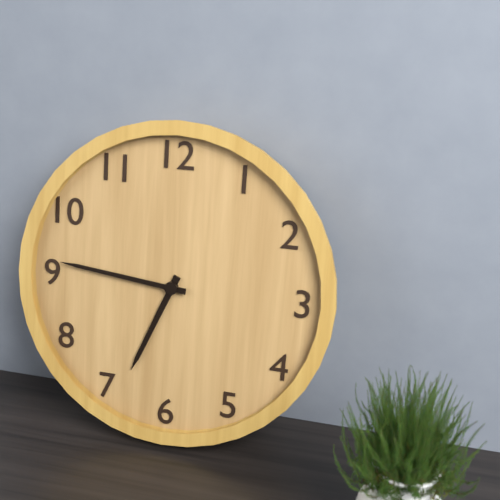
6.46
